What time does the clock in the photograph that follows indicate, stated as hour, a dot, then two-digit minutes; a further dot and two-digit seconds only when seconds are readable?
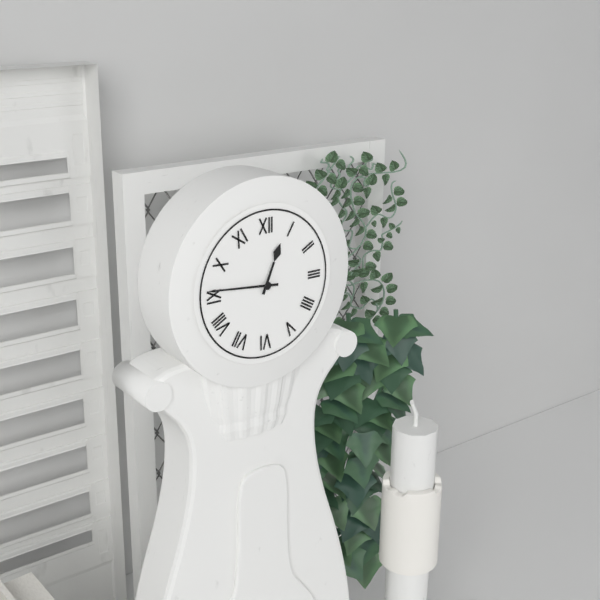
12.46
